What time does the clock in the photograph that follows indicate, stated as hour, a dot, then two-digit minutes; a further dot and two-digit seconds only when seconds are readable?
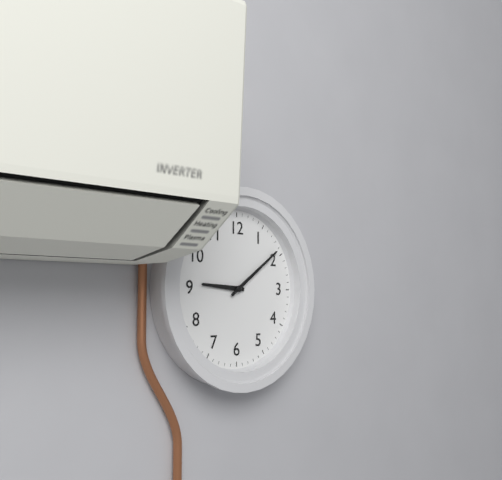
9.09
